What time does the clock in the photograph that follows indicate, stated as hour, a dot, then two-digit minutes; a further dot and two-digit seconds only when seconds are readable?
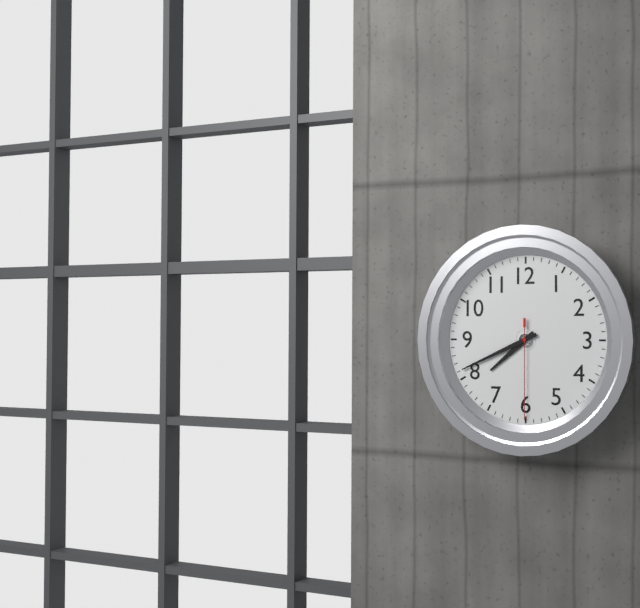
7.41.30
